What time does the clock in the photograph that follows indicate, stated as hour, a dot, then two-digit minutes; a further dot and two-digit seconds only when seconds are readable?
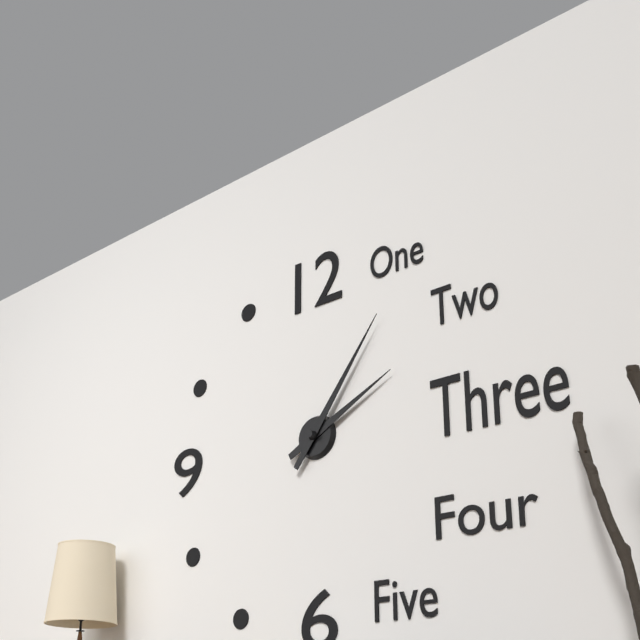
2.06
